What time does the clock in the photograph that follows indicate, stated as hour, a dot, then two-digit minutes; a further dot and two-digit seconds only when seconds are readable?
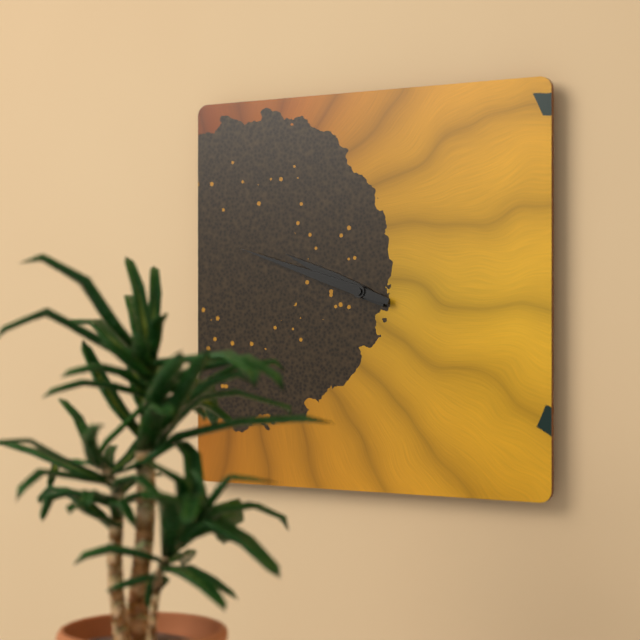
9.48
